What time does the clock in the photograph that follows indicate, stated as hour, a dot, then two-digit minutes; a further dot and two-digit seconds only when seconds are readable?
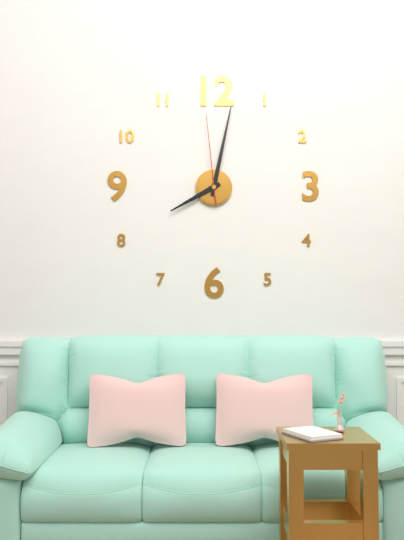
8.02.59
